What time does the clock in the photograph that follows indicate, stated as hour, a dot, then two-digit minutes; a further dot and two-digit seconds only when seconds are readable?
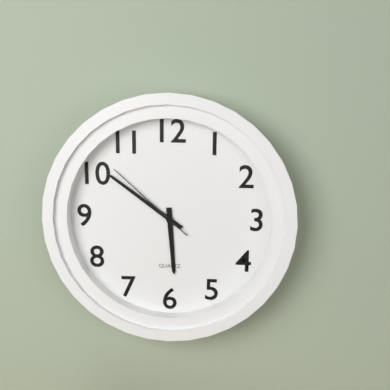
5.51.52
